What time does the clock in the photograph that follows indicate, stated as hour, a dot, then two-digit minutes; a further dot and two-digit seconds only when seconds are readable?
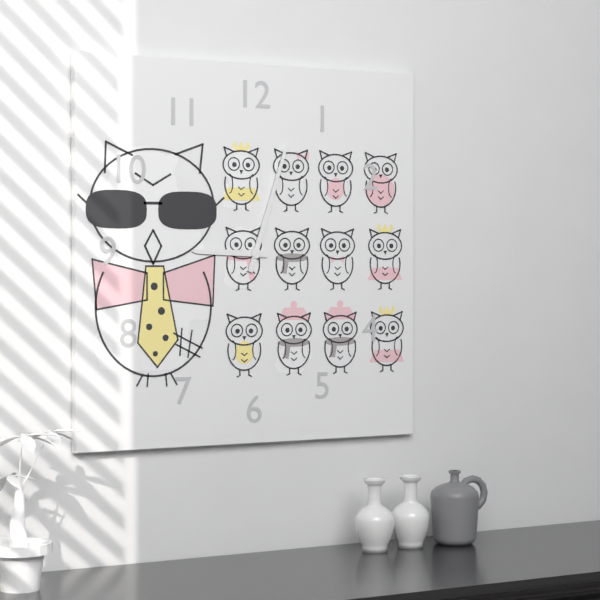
9.03
